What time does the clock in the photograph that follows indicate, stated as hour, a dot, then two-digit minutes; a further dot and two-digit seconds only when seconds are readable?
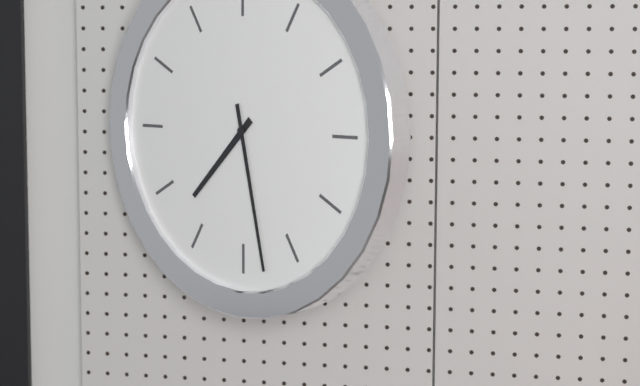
7.28
